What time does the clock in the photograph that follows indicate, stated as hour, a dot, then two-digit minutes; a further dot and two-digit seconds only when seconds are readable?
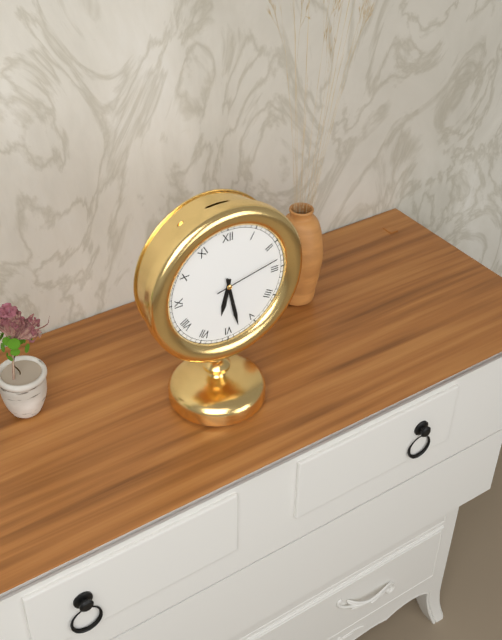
6.28.13
